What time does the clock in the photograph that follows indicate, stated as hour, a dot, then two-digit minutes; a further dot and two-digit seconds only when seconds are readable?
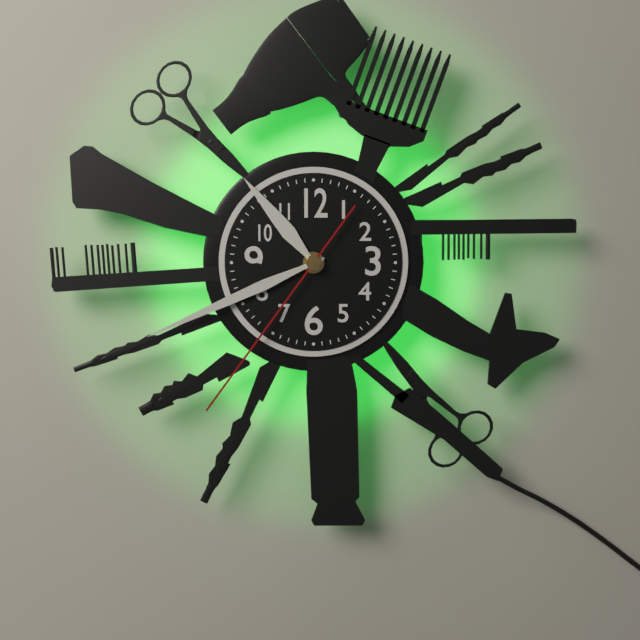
10.41.36
